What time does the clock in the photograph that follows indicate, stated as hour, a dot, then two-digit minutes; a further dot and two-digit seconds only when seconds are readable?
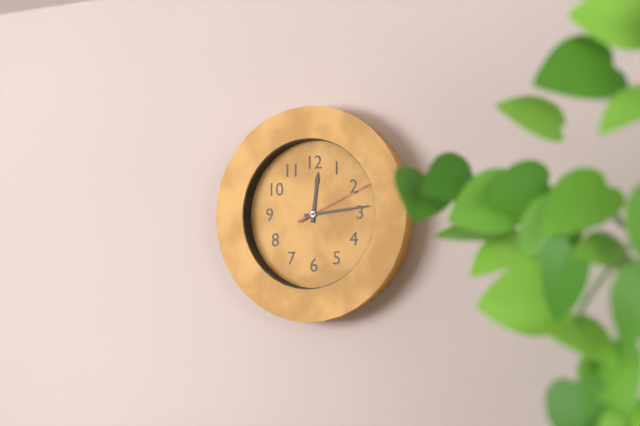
12.14.11
